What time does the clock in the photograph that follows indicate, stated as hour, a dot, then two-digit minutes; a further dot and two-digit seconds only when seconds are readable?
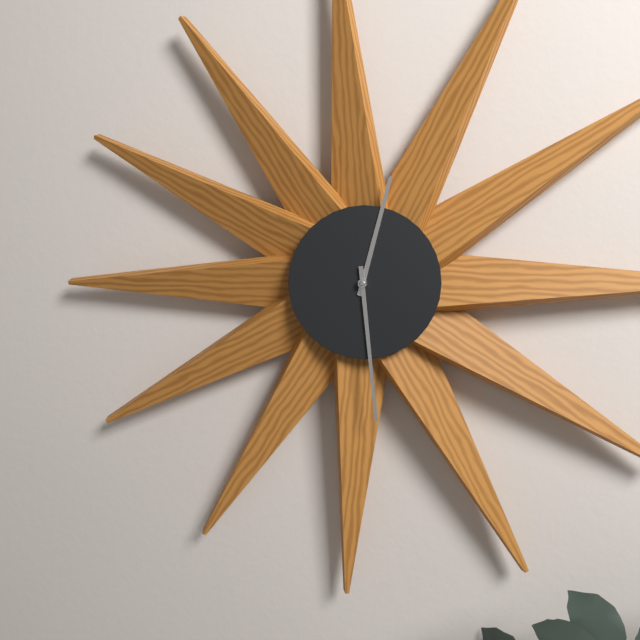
12.29
